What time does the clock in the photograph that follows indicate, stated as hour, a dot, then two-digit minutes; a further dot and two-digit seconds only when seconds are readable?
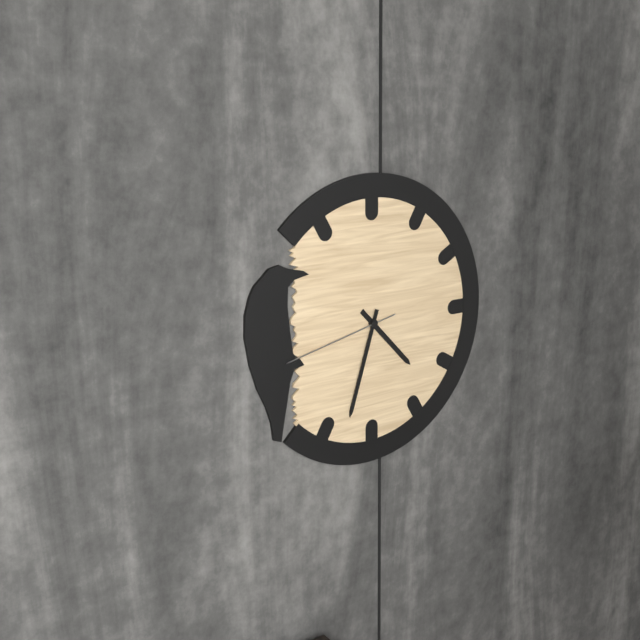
4.33.43
